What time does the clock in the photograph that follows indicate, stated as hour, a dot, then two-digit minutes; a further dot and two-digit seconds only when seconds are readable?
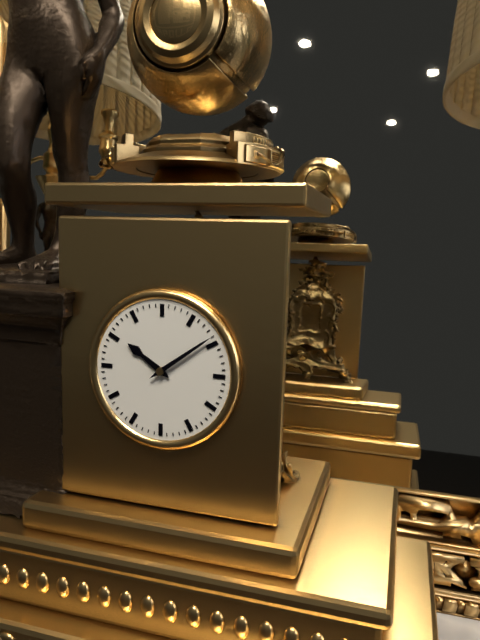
10.09
